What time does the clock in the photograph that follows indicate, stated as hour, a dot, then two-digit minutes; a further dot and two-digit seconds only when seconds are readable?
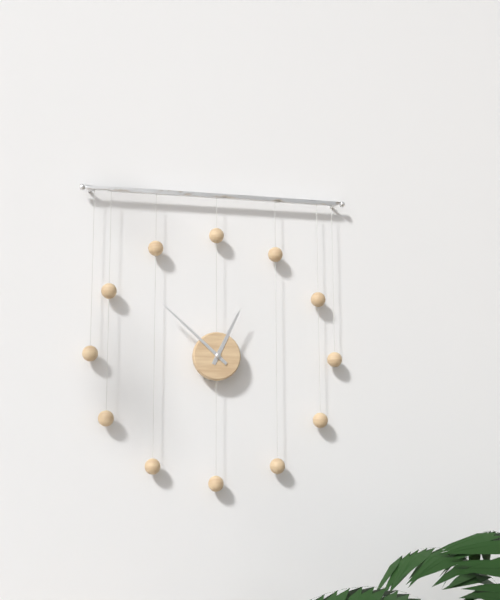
12.52
